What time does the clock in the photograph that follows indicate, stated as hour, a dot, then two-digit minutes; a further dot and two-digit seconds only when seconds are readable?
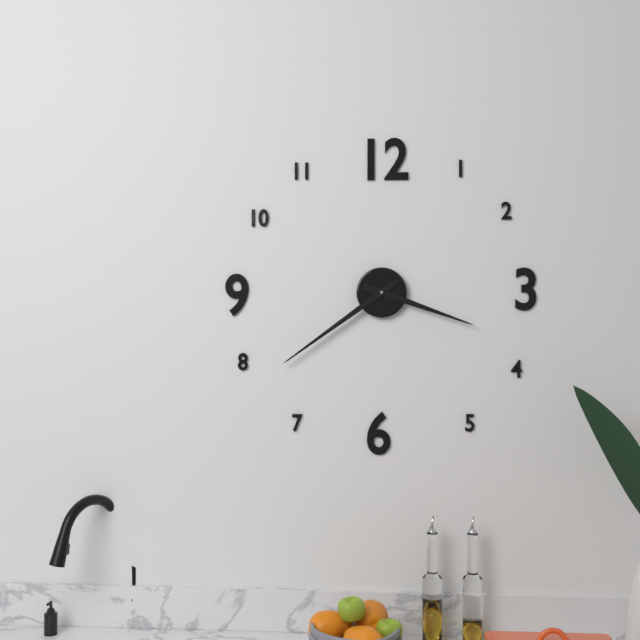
3.39
